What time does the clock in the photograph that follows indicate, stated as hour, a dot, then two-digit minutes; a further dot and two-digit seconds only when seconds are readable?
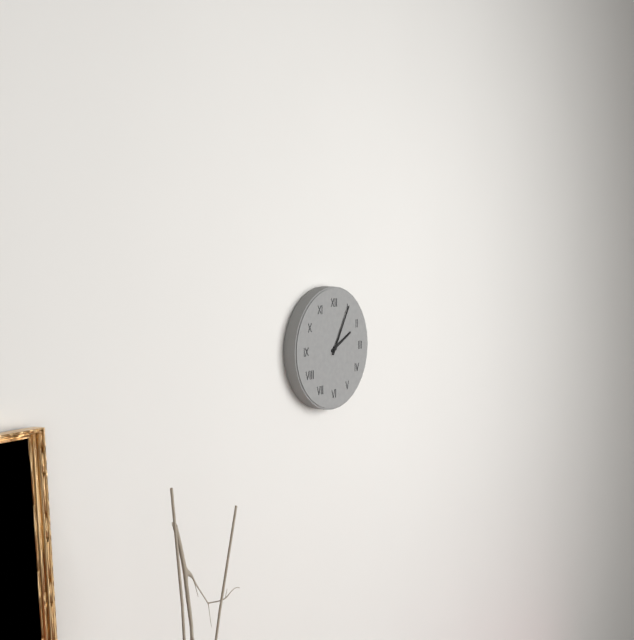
2.05
